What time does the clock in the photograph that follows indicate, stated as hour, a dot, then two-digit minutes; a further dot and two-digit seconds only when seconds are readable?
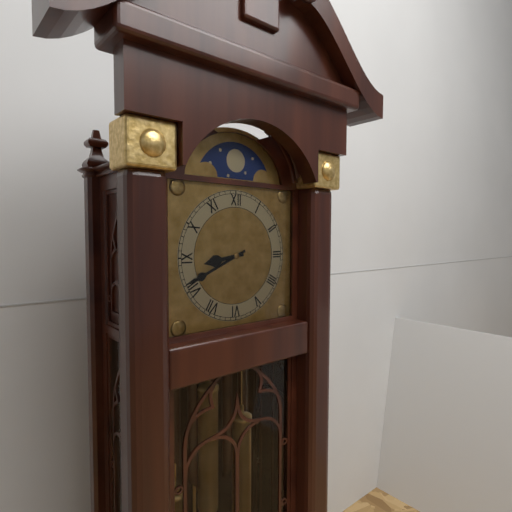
8.41
